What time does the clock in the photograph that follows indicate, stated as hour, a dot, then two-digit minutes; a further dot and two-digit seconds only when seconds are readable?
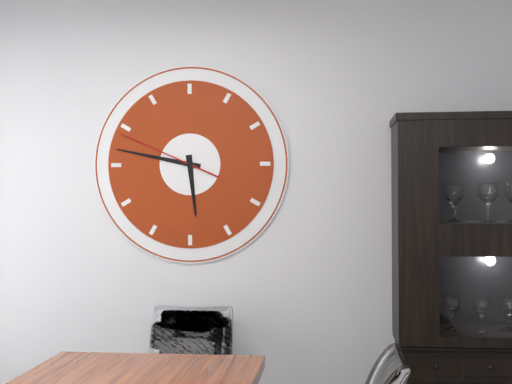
5.47.49
